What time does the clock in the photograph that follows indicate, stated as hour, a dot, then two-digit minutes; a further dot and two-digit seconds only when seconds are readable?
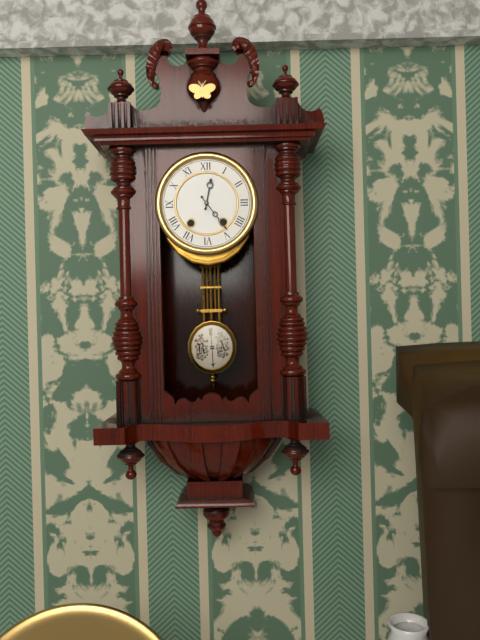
12.24
